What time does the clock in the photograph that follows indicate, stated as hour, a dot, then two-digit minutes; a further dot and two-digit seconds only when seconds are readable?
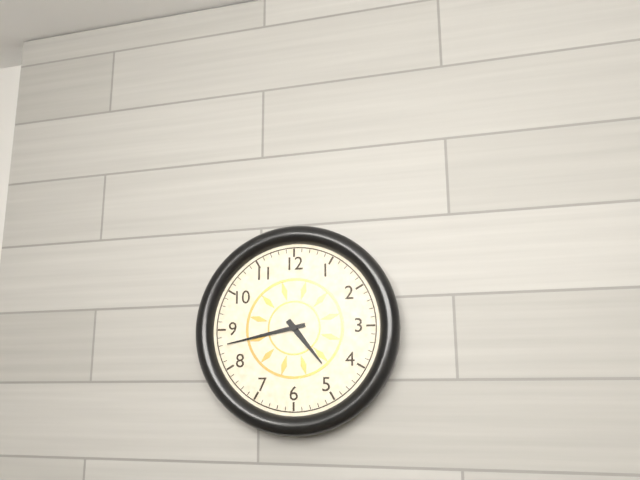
4.43
